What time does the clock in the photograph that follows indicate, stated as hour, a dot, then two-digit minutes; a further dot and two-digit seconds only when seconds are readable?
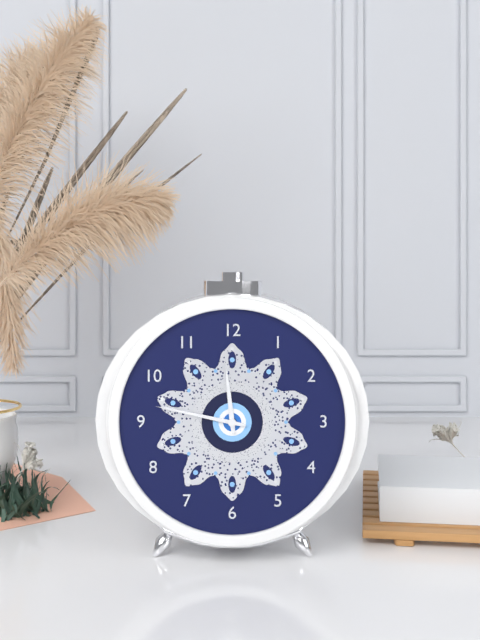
11.47
